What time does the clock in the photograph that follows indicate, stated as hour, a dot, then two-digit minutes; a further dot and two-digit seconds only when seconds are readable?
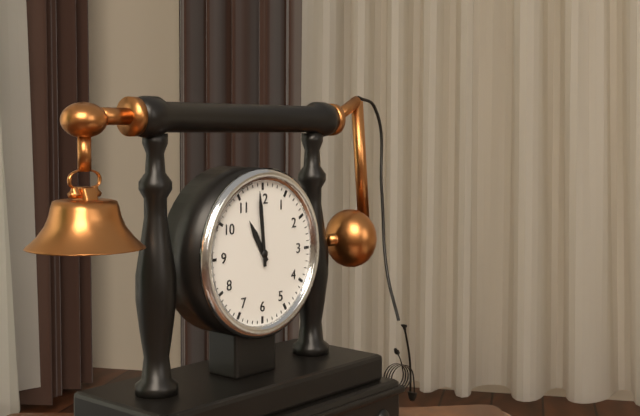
10.59
